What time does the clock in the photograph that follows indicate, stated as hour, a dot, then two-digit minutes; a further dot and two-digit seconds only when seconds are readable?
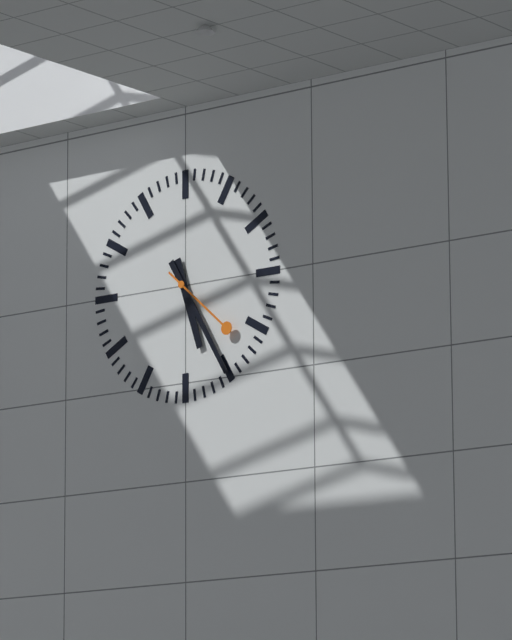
5.25.22
